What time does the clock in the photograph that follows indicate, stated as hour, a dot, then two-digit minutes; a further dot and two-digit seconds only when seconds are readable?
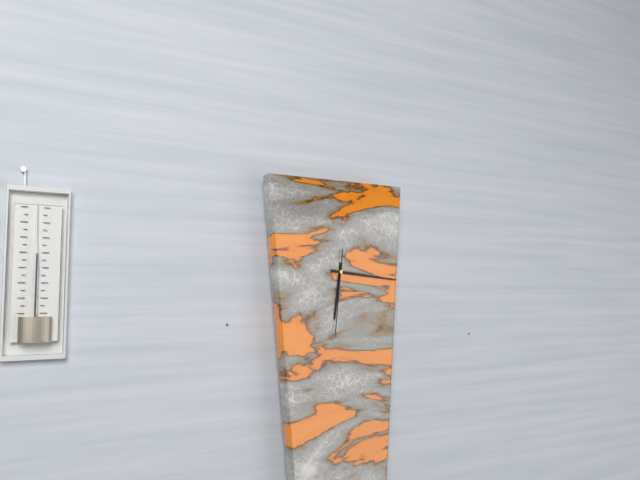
6.16.31
